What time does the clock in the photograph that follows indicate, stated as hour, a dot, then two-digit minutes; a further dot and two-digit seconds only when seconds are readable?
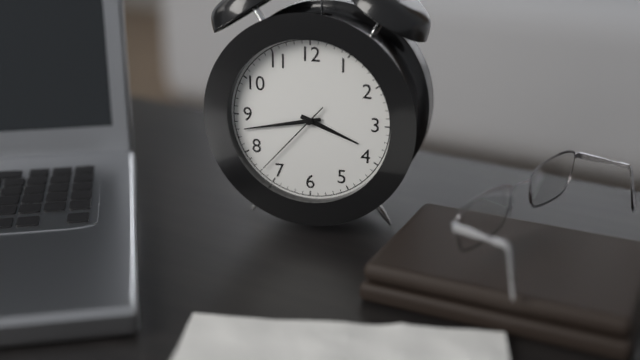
3.43.37
